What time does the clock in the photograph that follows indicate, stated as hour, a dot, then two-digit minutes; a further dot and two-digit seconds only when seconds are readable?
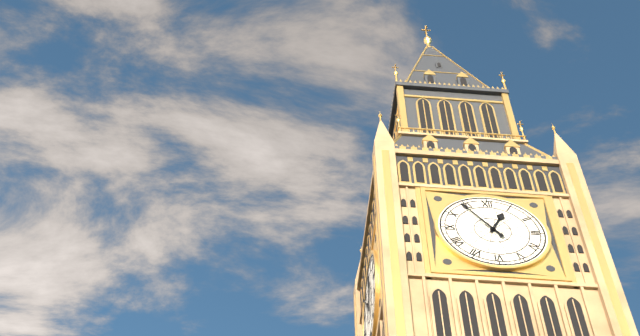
12.54
